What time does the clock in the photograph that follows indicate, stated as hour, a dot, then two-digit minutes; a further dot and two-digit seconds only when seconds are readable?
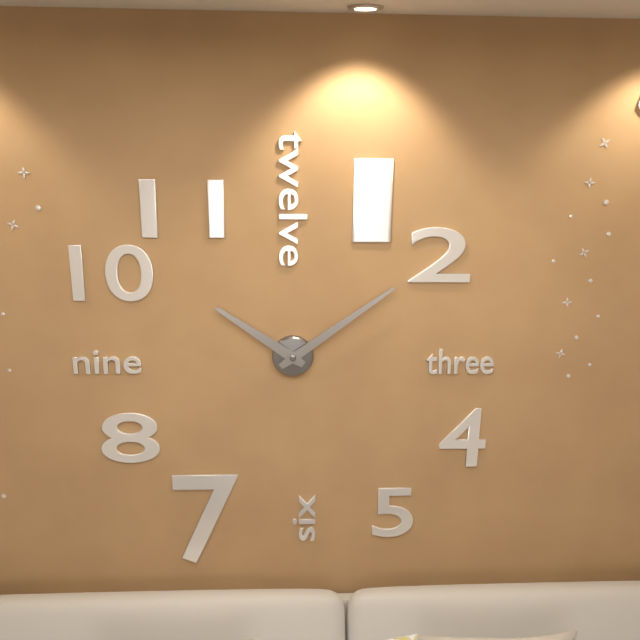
10.09
